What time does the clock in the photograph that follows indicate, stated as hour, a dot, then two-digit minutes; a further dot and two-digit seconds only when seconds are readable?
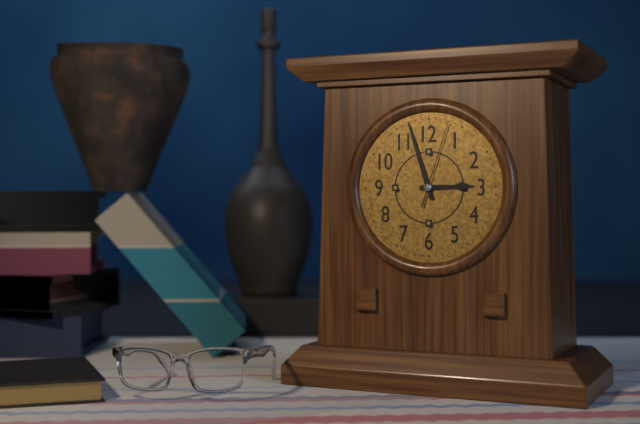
2.57.03
